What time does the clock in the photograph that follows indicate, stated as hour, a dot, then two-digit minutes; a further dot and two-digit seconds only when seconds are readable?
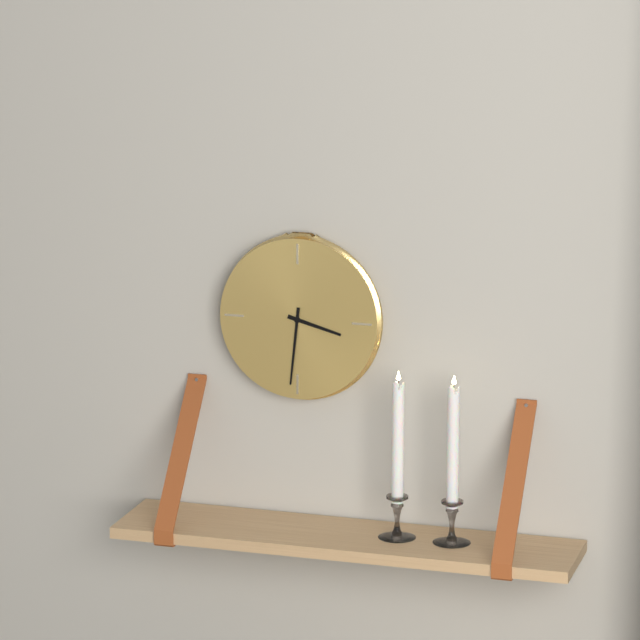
3.31
